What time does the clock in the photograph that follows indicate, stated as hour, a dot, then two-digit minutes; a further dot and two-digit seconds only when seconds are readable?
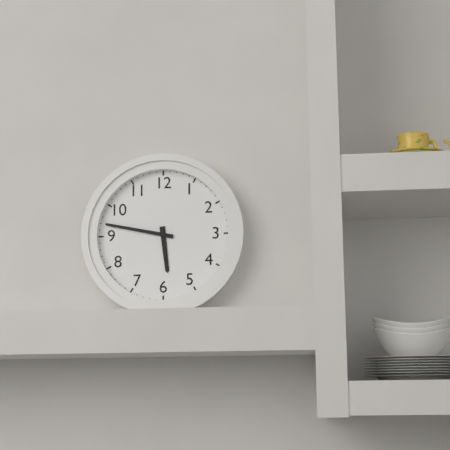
5.47
